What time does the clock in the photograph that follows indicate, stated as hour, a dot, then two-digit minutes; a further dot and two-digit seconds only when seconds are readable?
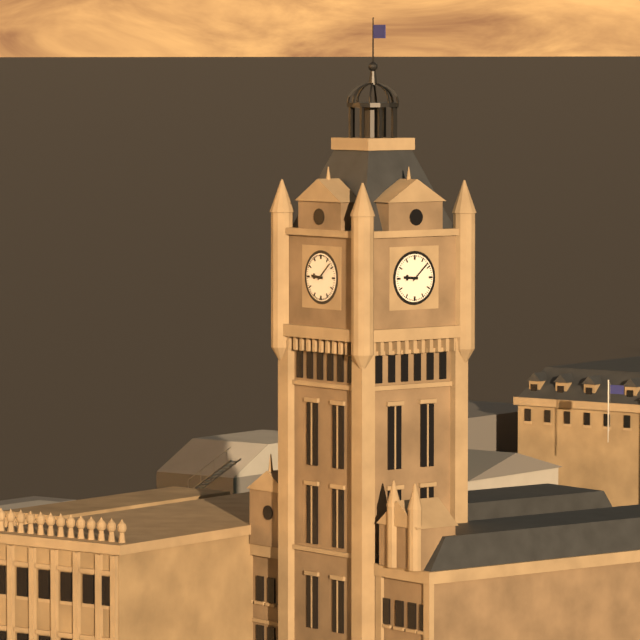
9.08
